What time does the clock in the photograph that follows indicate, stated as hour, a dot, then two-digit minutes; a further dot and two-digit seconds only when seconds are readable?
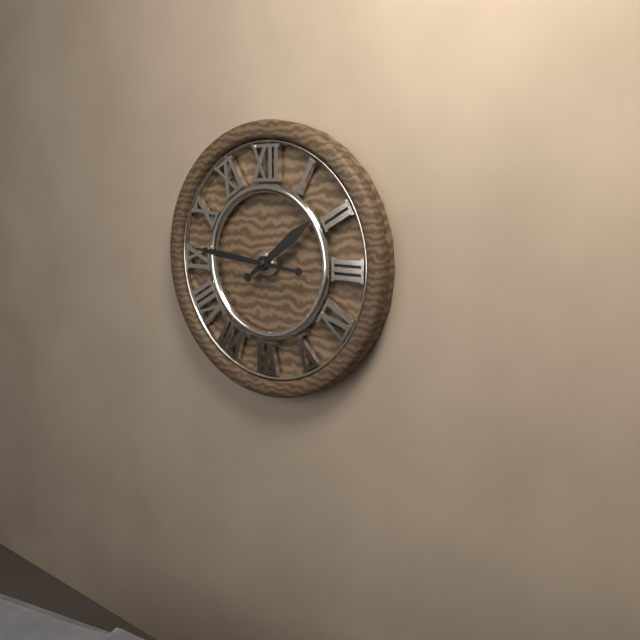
1.46
